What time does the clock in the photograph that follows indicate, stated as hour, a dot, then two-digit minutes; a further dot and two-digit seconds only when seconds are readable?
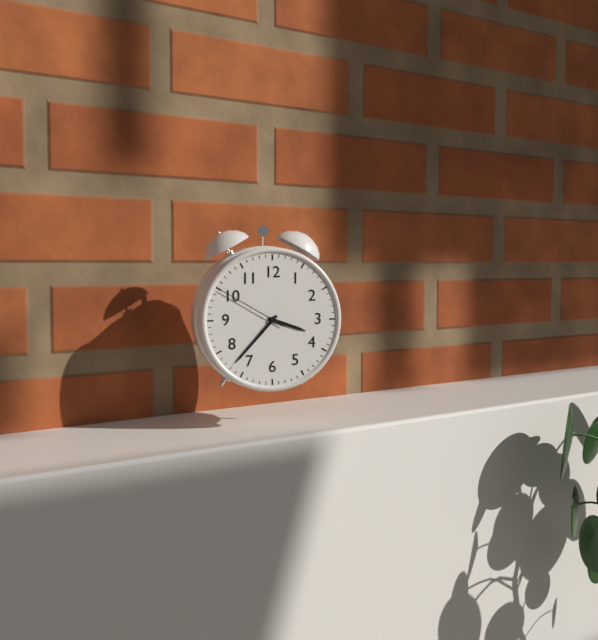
3.37.50
